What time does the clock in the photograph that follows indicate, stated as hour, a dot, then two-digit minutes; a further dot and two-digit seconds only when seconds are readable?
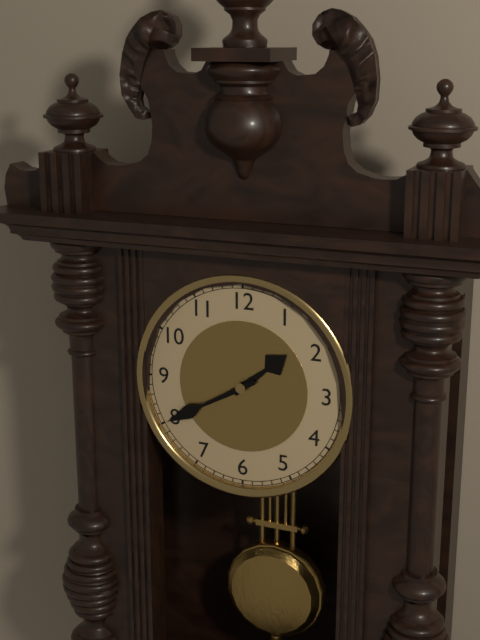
1.40
